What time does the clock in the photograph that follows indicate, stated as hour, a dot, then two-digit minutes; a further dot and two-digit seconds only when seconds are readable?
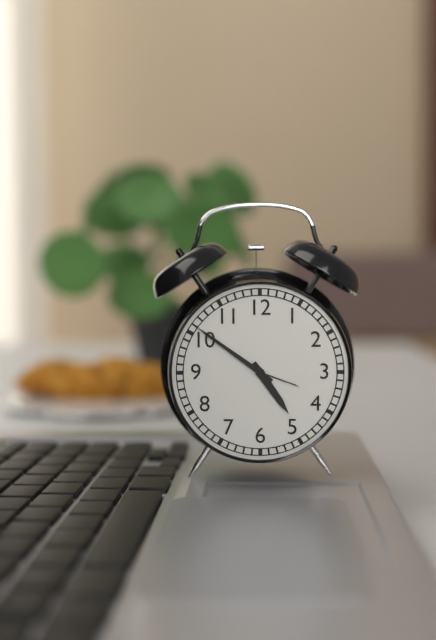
4.51
